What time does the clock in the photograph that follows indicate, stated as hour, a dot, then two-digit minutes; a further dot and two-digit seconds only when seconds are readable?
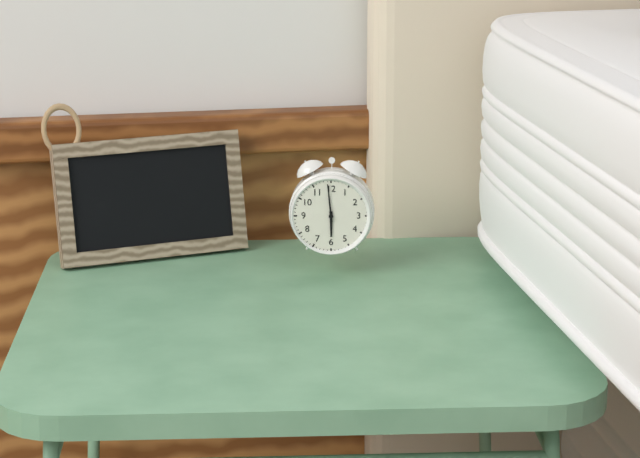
5.59
